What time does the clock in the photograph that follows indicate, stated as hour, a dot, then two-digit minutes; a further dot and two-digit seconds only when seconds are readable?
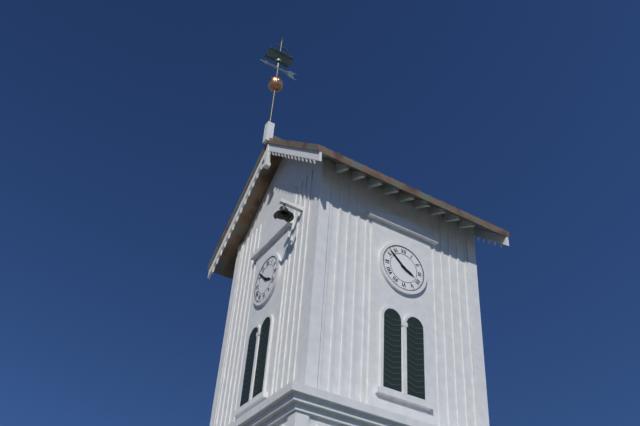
3.52
